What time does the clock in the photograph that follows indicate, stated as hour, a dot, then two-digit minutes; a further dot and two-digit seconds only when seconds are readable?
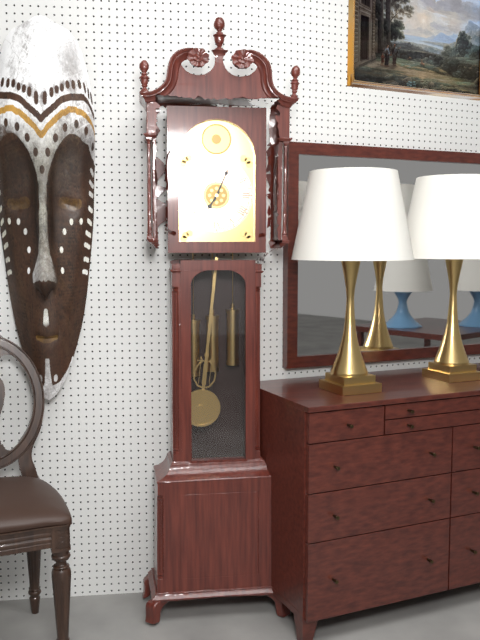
7.04
